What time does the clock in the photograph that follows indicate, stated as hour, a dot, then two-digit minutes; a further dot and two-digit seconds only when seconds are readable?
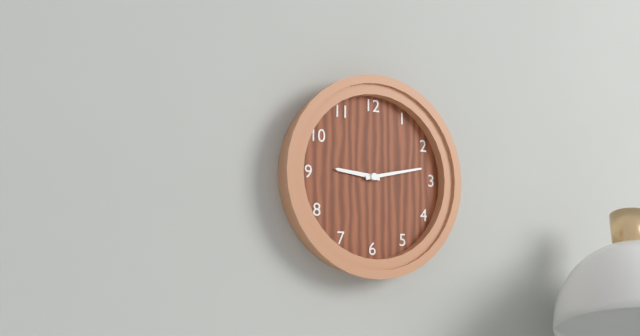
9.13
